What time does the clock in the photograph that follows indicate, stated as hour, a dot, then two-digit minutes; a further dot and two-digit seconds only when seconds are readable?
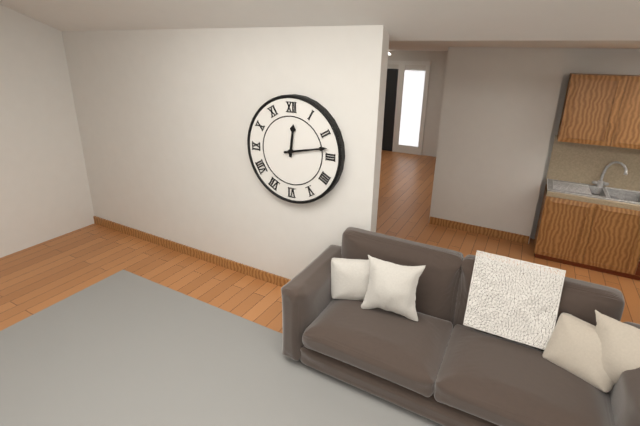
12.13
